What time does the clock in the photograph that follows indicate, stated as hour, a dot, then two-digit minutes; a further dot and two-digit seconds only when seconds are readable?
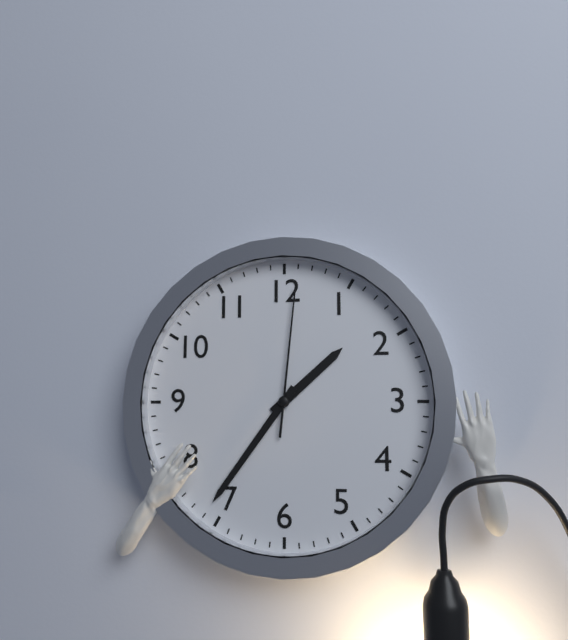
1.36.01
